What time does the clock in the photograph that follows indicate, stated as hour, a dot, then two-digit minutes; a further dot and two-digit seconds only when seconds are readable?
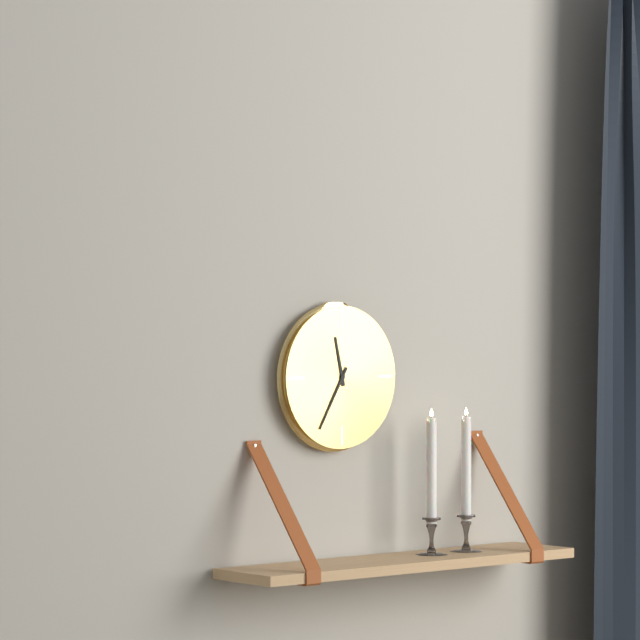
11.35
